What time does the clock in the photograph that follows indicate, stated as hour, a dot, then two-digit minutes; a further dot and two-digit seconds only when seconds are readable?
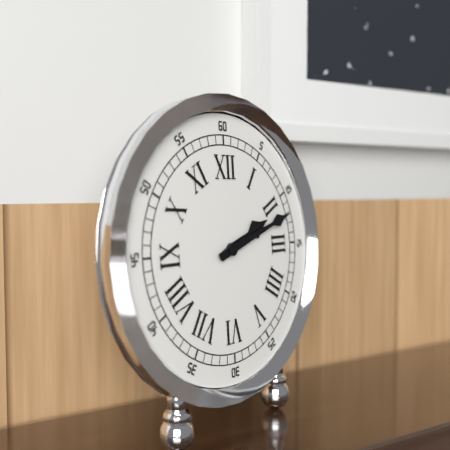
2.12
